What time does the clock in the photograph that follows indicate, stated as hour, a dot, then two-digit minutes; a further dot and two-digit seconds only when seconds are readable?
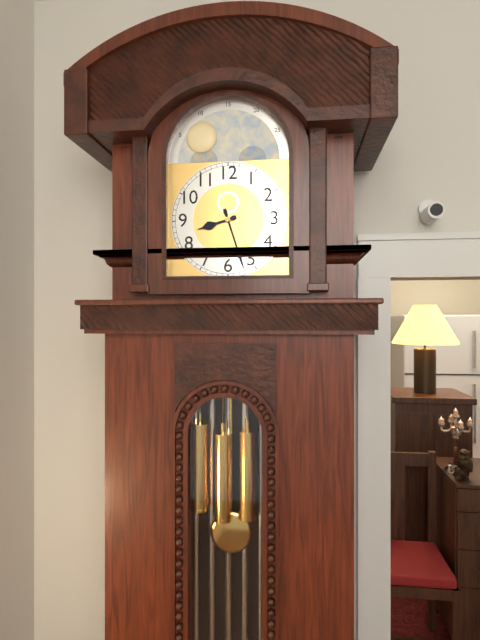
8.27
